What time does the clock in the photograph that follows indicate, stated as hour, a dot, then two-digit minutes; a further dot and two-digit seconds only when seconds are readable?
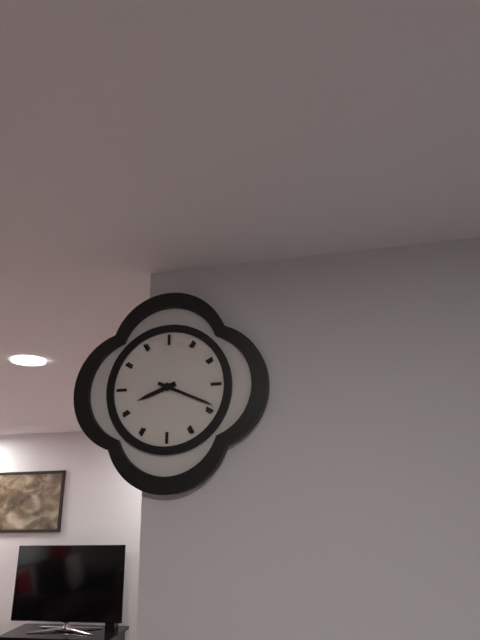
8.19
